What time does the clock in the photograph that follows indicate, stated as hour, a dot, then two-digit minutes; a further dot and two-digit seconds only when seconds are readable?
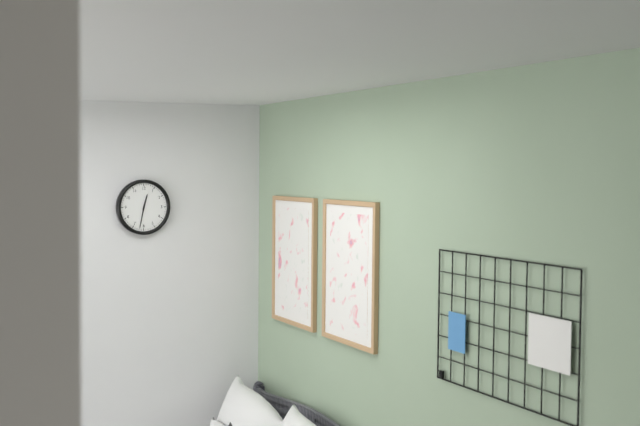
12.32
